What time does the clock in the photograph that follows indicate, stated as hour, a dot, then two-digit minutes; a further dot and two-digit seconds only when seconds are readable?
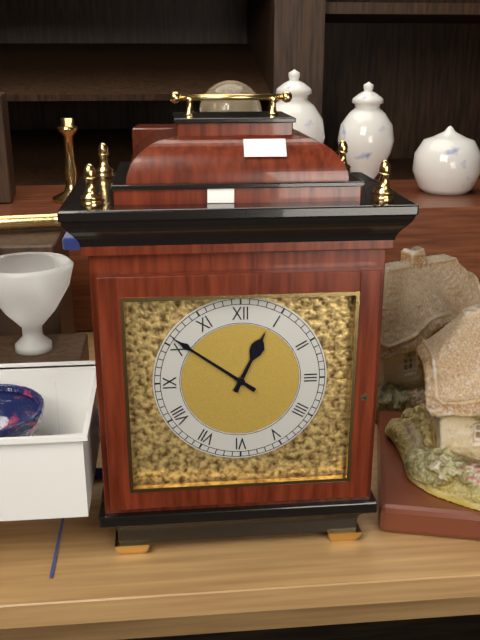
12.51
